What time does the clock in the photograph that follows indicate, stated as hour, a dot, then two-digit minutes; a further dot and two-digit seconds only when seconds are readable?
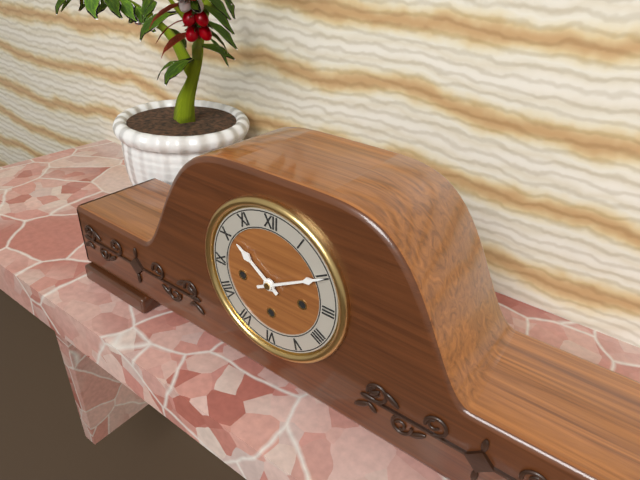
10.10
